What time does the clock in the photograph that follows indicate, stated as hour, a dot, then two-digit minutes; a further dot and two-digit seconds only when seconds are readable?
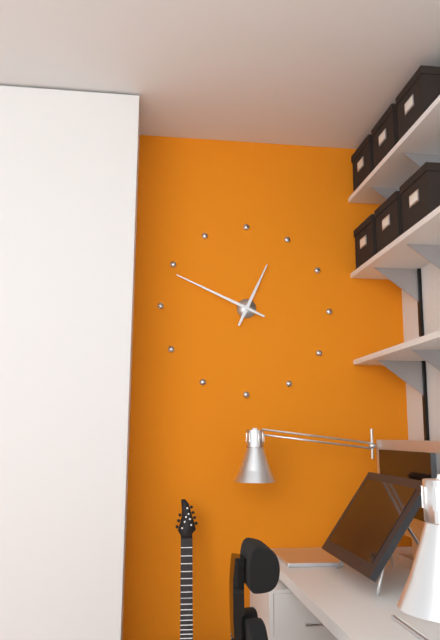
12.49
